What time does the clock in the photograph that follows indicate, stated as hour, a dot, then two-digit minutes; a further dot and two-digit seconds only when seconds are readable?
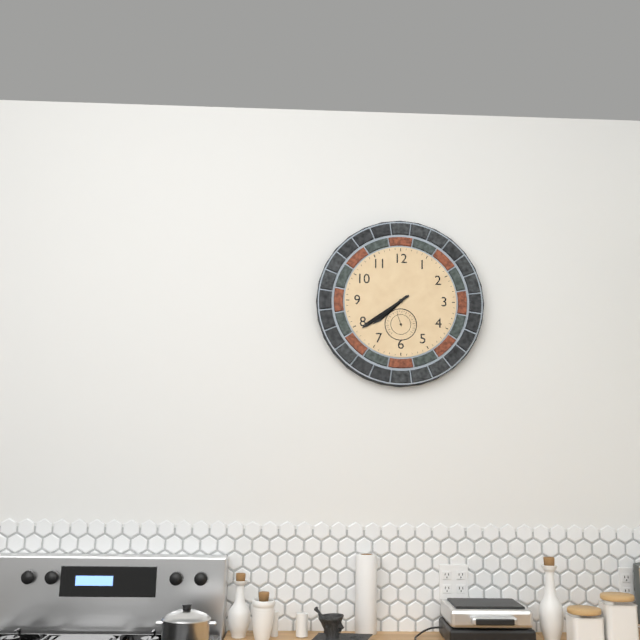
7.39
